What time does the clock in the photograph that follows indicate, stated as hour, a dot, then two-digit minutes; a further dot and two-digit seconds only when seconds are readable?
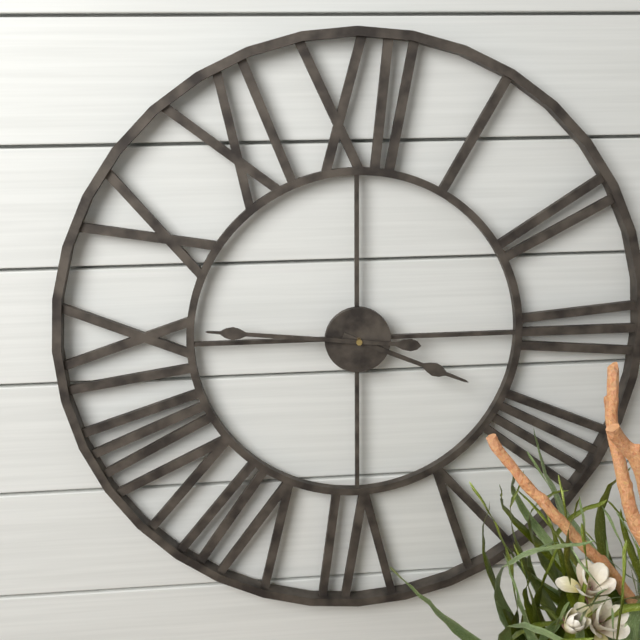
3.46
